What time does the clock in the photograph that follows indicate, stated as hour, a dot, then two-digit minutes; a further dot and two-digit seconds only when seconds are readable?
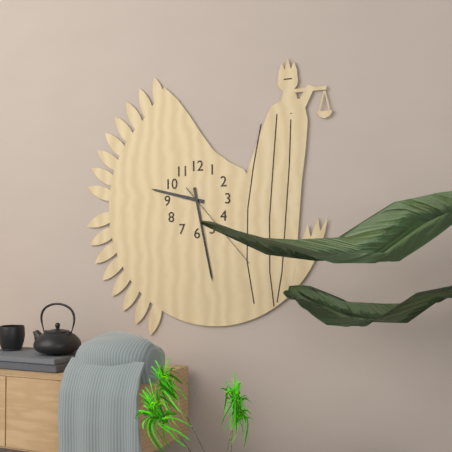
9.28.23
